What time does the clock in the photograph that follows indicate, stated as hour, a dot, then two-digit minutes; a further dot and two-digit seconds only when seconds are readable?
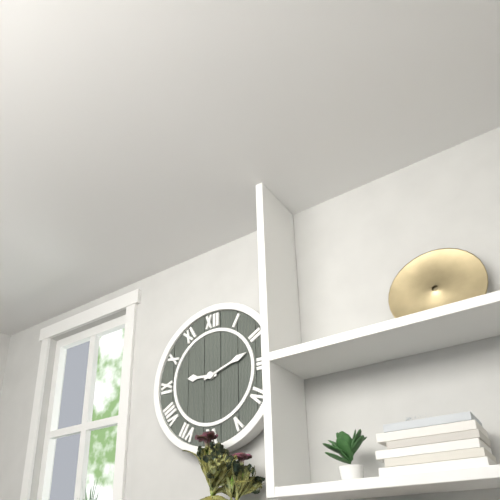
9.12
